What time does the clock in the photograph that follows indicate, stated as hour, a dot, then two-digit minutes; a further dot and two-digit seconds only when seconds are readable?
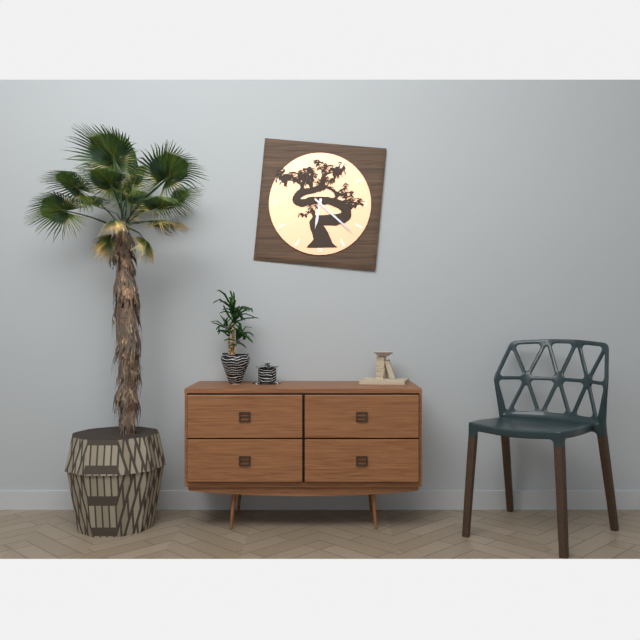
6.22
